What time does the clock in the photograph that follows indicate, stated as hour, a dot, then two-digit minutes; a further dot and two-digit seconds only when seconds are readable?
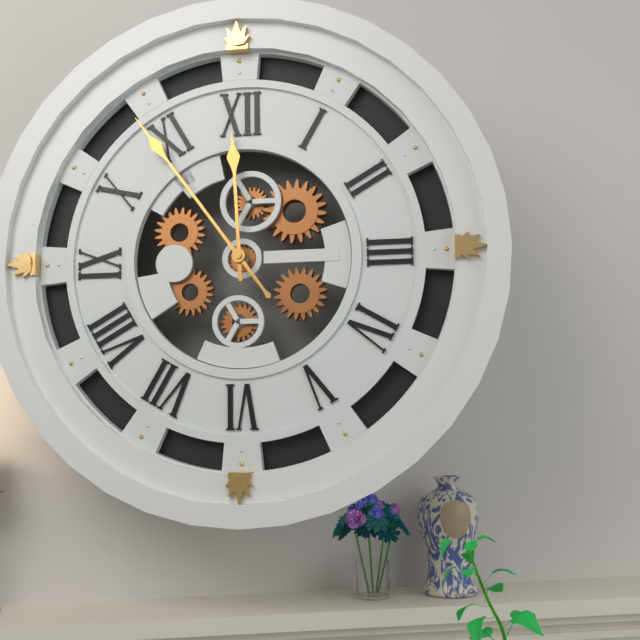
11.54
